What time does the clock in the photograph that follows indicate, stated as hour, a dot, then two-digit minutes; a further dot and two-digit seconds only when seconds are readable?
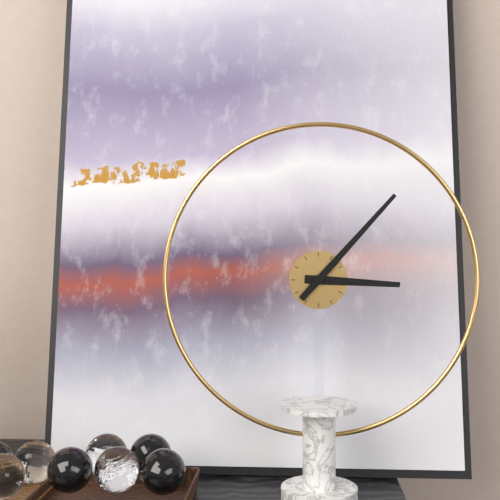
3.07
